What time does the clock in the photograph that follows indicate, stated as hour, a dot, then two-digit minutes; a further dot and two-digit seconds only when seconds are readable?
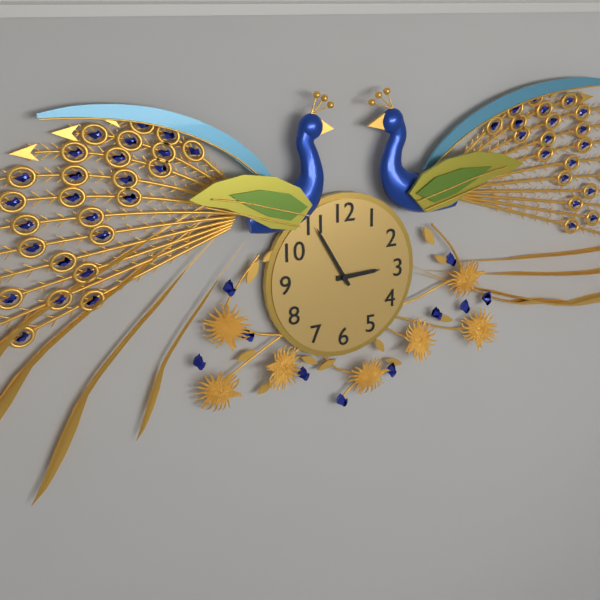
2.55
